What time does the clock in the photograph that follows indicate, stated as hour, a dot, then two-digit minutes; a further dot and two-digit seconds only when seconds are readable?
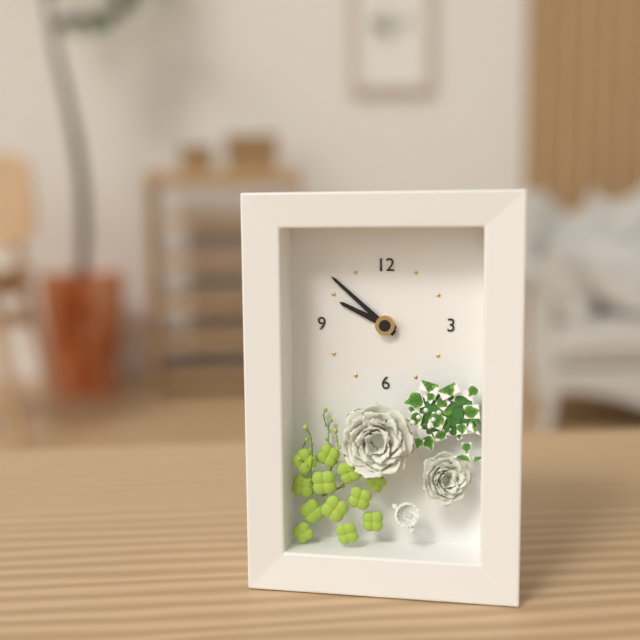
9.52
